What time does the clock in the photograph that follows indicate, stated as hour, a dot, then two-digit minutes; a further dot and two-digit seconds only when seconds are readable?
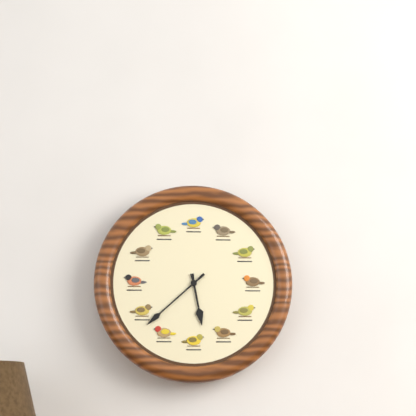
5.38
